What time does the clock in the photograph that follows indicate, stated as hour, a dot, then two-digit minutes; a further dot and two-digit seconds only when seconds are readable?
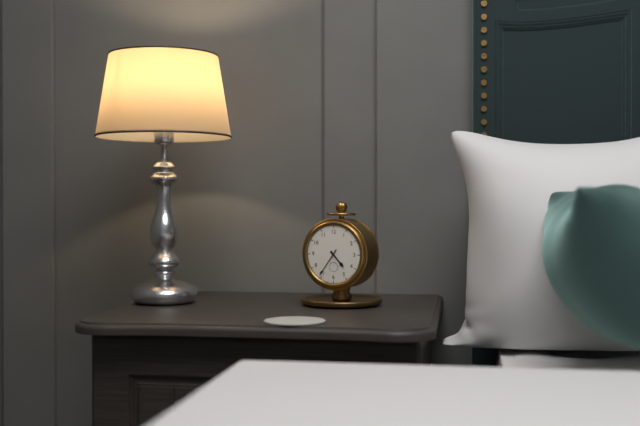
4.36
